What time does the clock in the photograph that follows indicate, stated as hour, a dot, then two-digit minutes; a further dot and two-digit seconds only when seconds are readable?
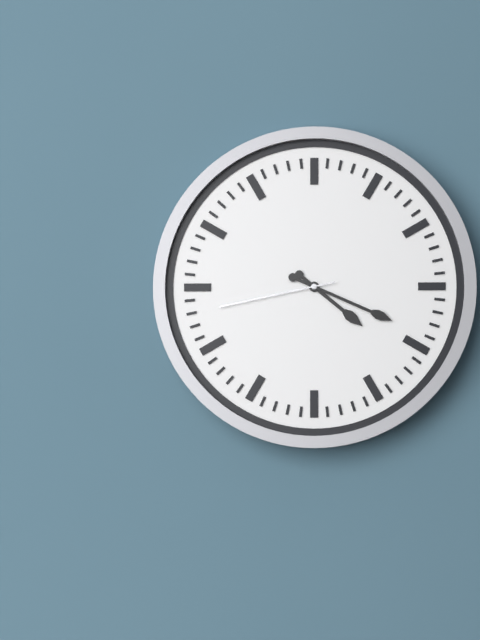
4.19.43
